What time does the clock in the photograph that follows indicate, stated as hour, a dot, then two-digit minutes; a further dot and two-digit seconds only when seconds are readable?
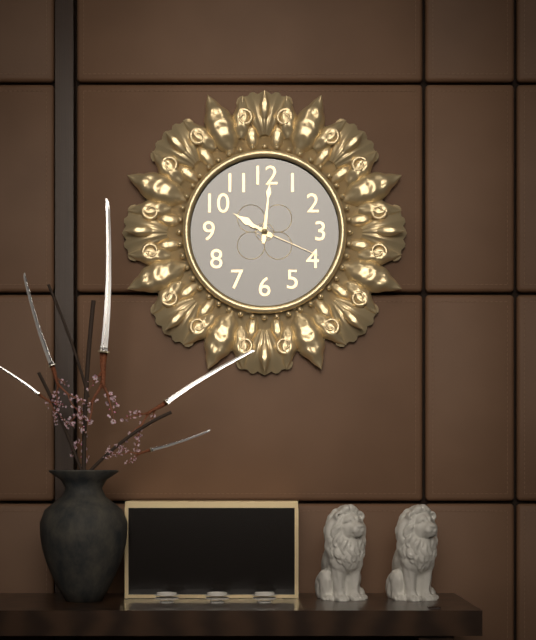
10.01.19
